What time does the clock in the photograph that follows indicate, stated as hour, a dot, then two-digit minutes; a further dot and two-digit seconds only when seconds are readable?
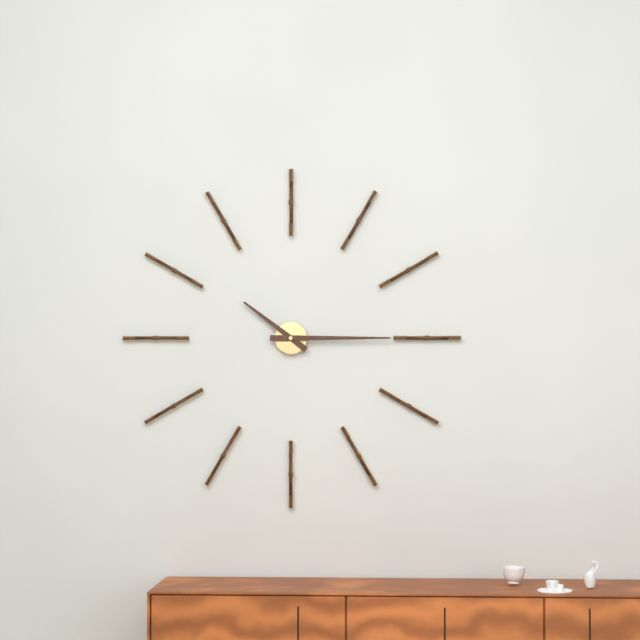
10.15
